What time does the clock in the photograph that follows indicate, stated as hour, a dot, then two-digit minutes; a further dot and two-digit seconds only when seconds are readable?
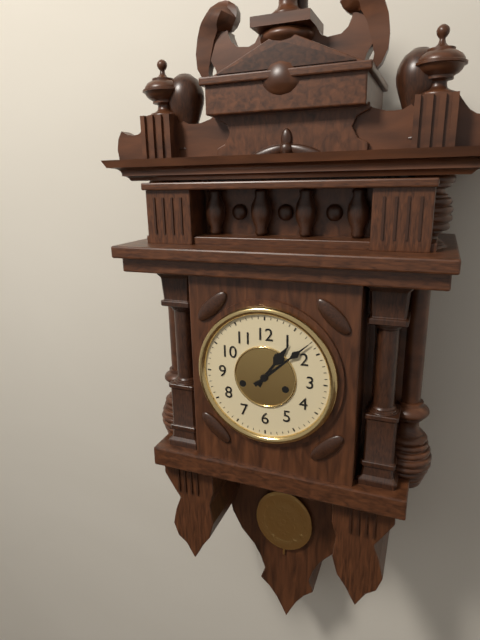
1.08
